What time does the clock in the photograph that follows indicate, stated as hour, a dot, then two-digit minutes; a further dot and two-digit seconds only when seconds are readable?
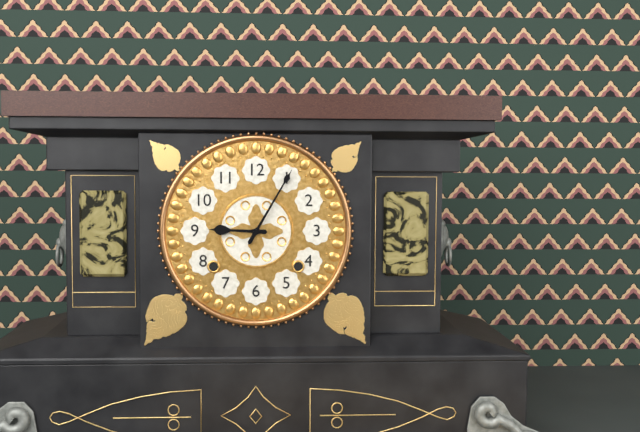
9.05
